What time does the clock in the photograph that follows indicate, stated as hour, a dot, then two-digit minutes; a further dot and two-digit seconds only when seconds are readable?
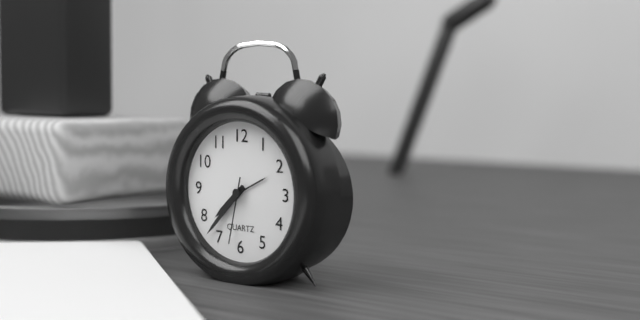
7.37.32
